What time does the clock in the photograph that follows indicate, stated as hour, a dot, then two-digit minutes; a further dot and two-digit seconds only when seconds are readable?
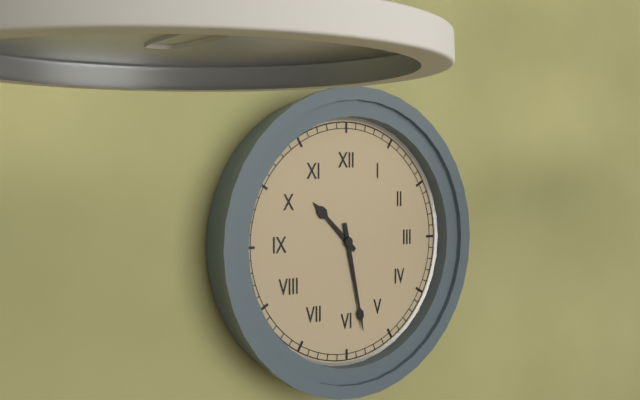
10.28
